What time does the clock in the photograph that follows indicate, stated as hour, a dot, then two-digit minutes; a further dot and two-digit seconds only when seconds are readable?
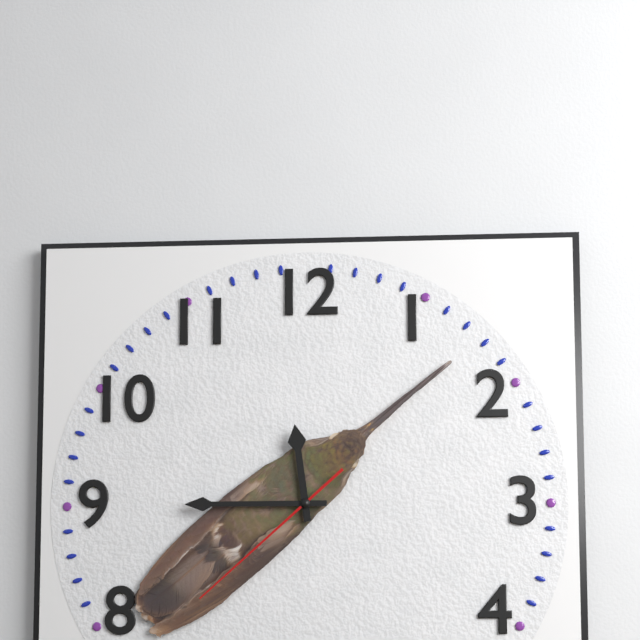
11.45.38
